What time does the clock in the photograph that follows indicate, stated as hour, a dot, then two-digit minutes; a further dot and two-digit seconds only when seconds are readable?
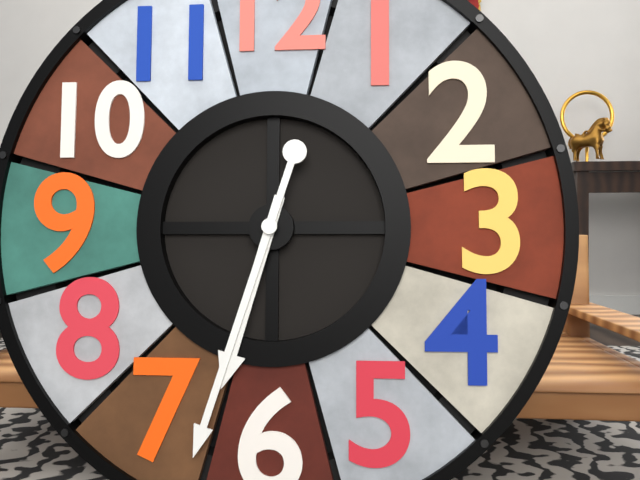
6.33
